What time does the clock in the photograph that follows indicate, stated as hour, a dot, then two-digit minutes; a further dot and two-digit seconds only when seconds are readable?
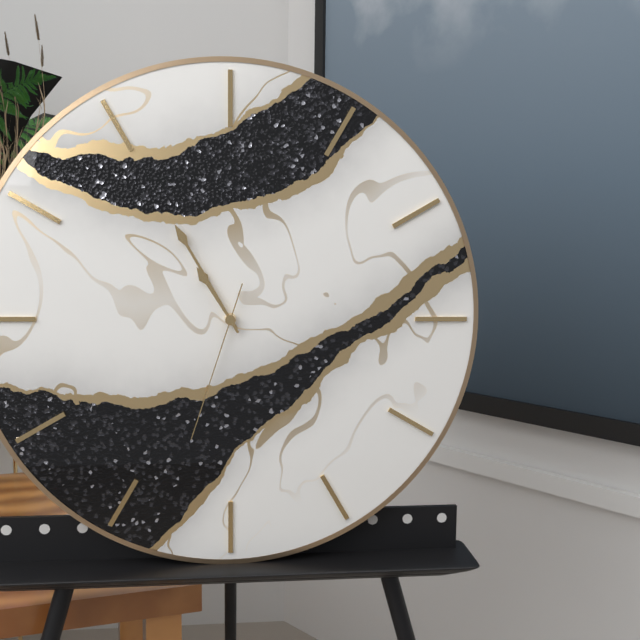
10.55.33
